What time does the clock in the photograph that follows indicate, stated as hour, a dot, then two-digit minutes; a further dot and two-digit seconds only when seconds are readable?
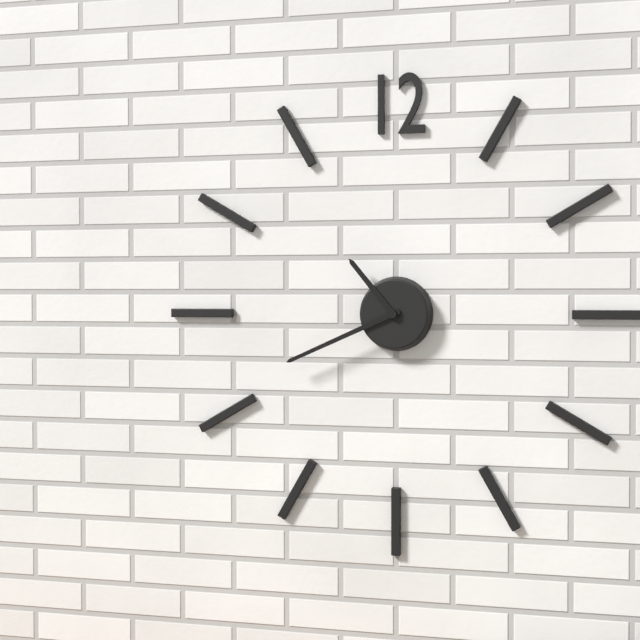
10.41
